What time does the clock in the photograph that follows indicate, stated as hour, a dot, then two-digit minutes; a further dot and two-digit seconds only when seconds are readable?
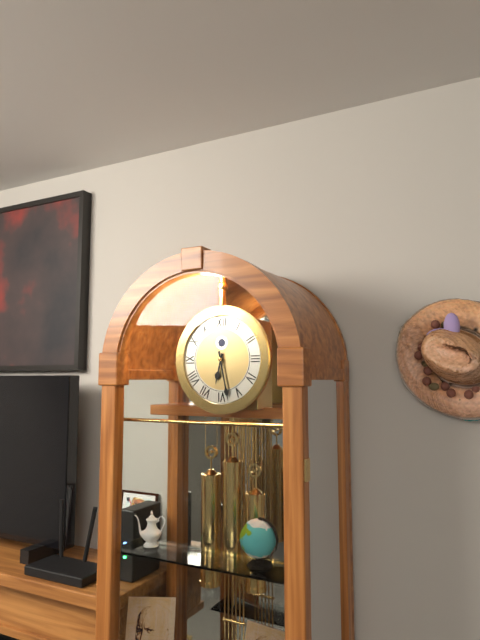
6.28
